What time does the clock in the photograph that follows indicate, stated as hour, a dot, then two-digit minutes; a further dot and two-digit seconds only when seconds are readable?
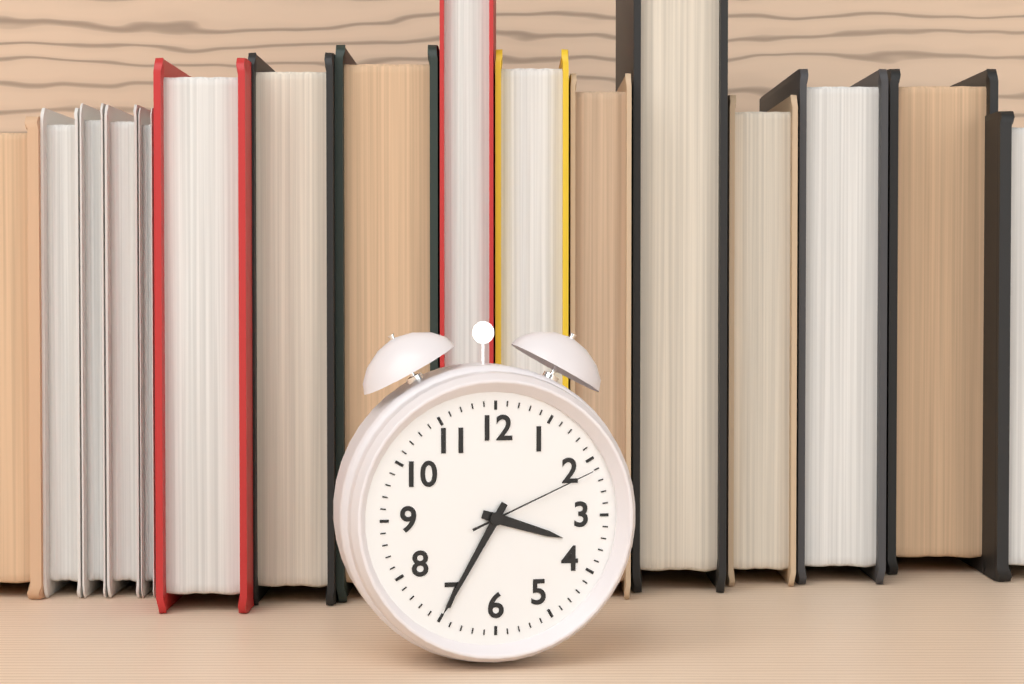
3.35.11
